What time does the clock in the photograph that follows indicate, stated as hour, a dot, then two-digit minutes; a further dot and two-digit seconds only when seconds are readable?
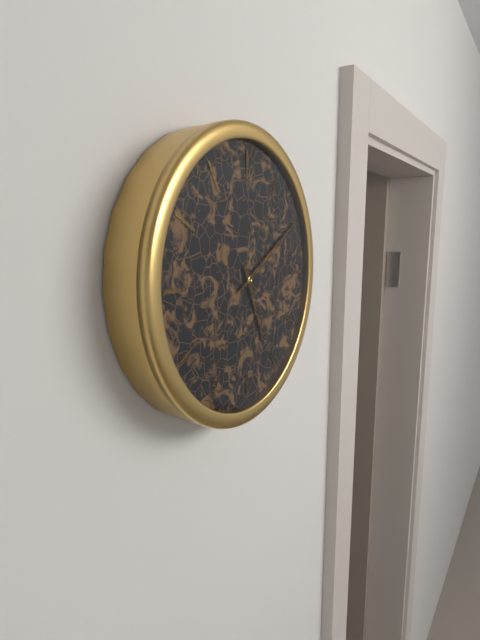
5.10
